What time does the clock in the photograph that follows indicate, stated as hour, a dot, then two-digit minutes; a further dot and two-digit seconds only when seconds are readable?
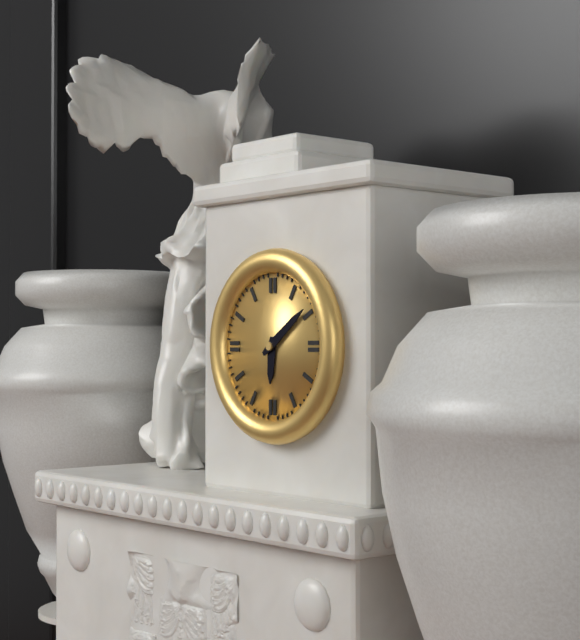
6.09
